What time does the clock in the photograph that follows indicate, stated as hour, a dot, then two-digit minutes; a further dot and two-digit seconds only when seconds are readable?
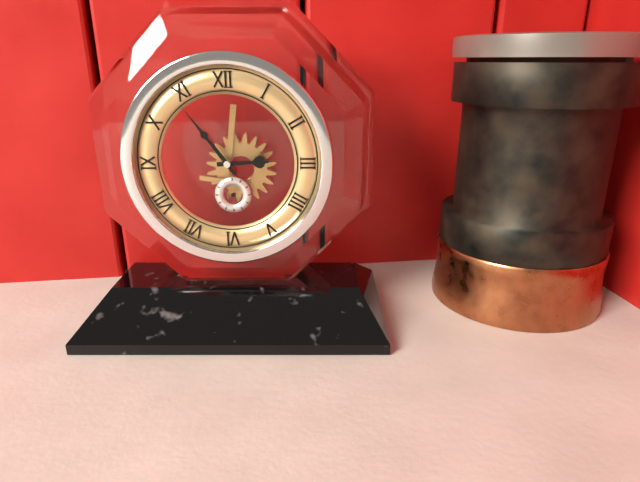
2.54
